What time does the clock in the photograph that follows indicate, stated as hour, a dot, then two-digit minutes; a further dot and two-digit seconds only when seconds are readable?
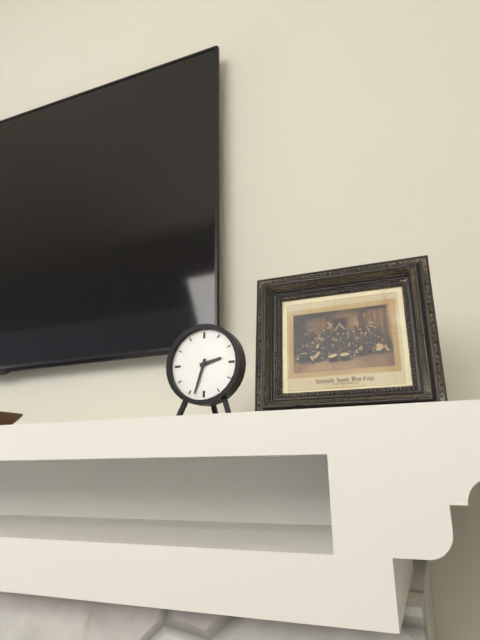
2.33
